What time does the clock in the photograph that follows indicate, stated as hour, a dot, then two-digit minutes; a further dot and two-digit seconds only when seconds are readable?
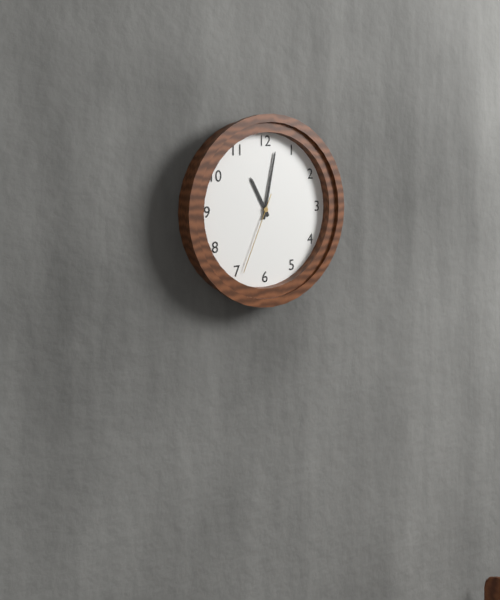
11.02.34
